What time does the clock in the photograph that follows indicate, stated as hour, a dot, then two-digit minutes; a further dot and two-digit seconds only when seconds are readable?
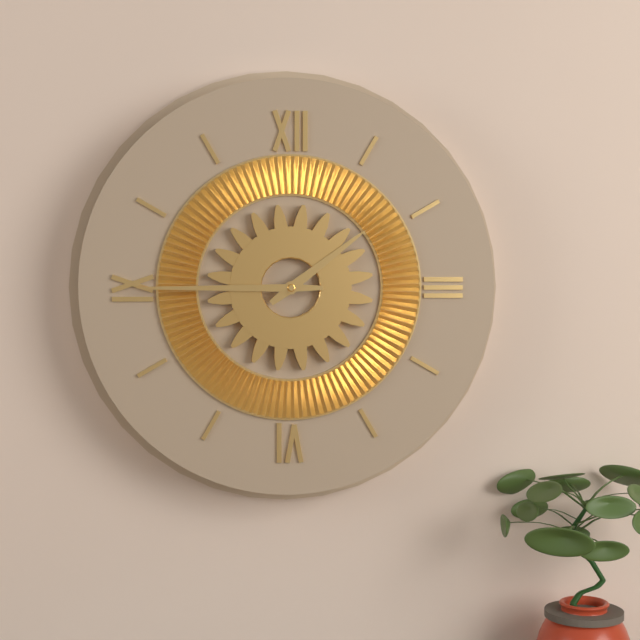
1.45
